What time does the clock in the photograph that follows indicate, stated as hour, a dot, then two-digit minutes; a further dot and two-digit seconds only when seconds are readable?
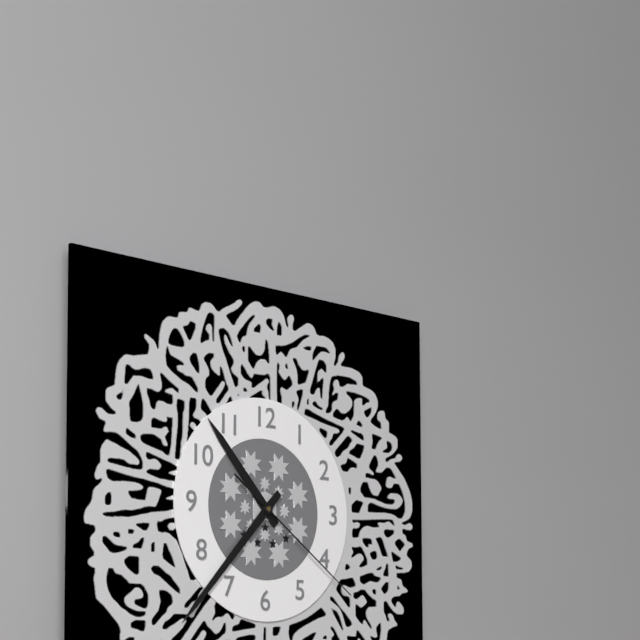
10.37.21
